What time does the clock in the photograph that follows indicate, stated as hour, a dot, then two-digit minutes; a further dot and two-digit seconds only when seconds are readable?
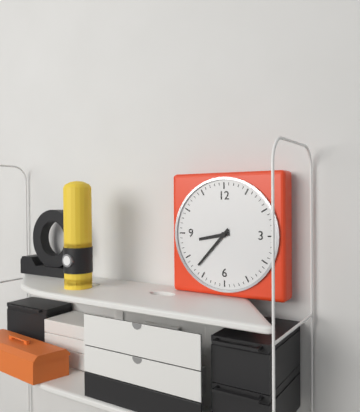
8.37
